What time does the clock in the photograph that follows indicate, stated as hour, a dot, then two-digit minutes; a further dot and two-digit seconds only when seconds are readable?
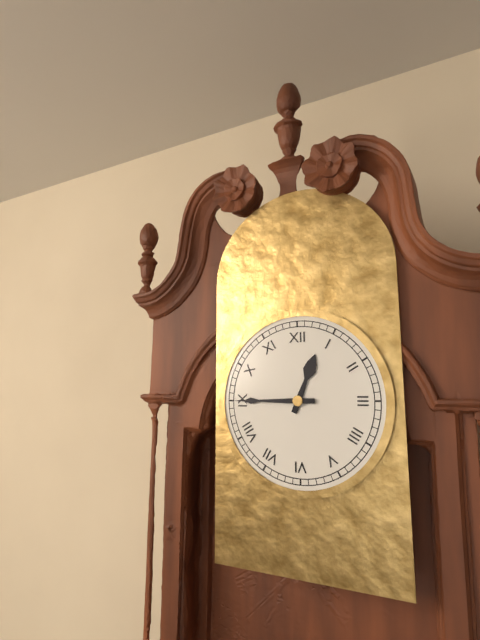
12.45
